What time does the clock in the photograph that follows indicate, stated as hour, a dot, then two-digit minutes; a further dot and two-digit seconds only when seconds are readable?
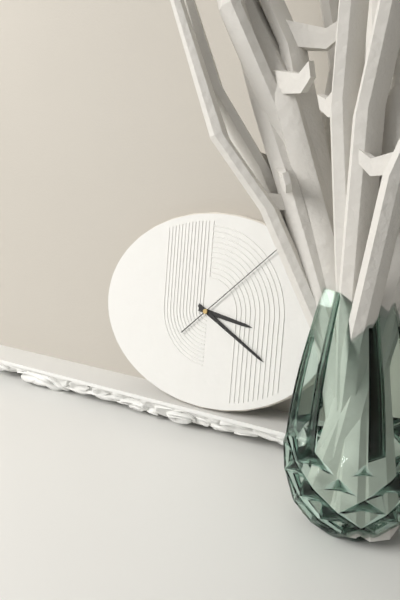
3.20.08
